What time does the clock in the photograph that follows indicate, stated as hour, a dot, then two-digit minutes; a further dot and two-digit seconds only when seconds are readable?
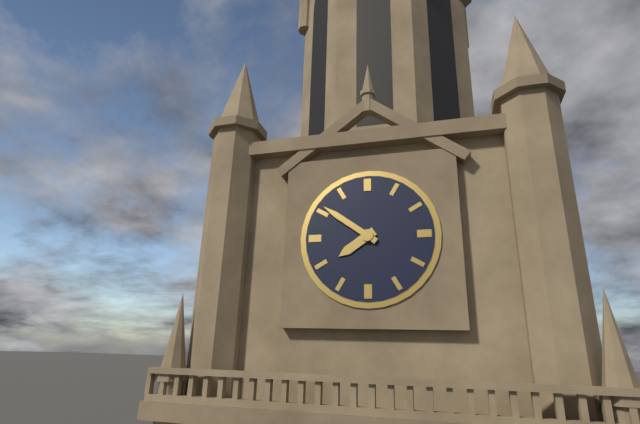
7.51
